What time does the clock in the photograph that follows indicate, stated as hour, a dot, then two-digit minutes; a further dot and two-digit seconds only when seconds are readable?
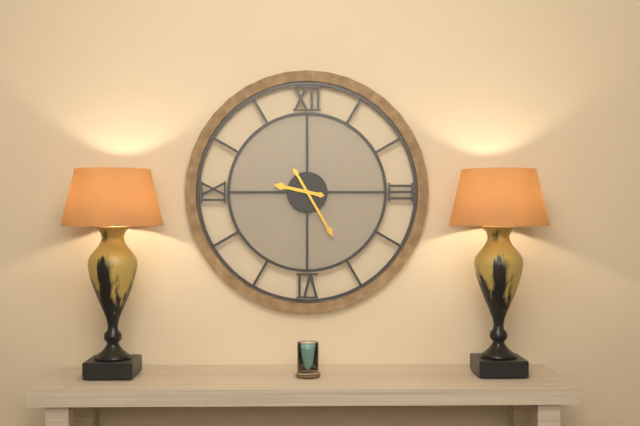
9.25
